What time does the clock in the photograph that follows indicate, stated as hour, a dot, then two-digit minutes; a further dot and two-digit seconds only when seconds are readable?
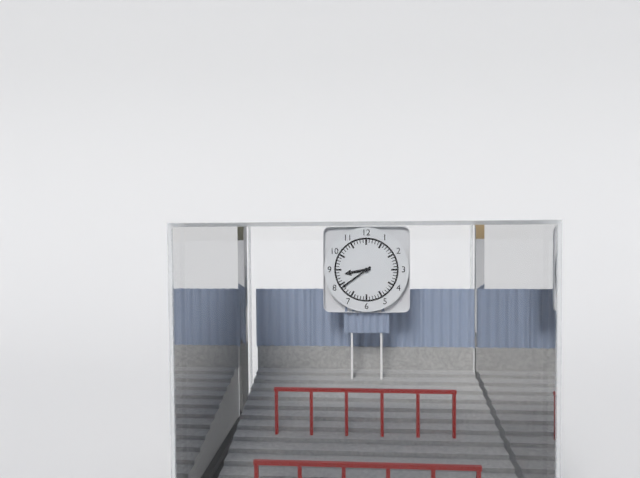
8.39
